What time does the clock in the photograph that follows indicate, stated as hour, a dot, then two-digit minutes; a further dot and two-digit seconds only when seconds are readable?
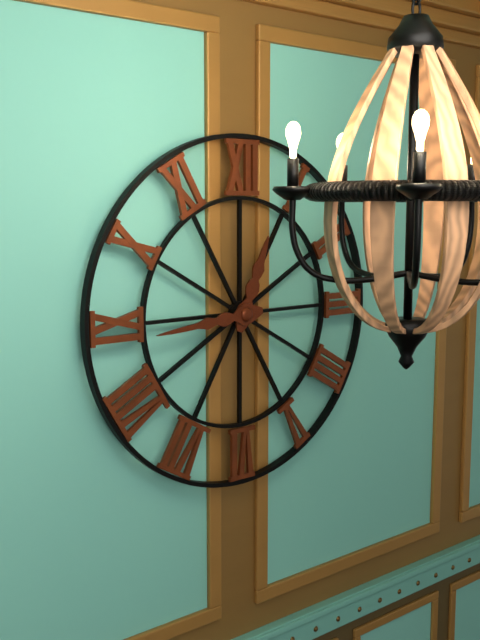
12.44
